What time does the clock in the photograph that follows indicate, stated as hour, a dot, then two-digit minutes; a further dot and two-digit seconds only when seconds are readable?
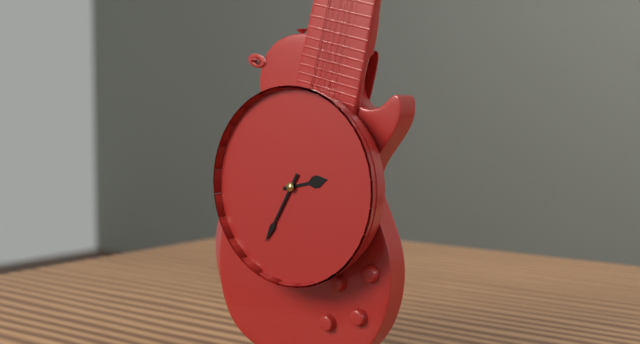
2.35
